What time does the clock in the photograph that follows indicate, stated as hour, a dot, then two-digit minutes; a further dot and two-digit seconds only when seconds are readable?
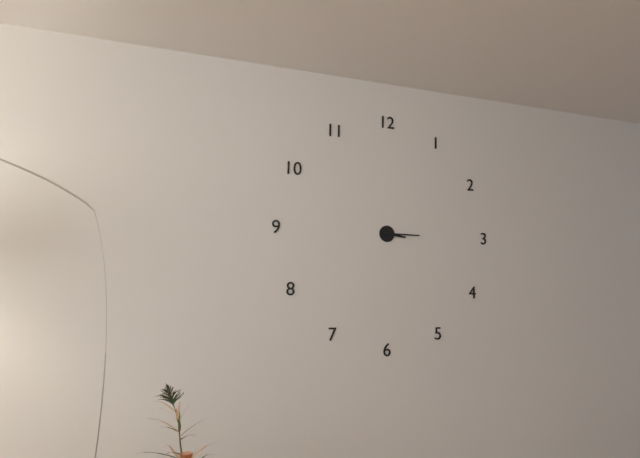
3.15
